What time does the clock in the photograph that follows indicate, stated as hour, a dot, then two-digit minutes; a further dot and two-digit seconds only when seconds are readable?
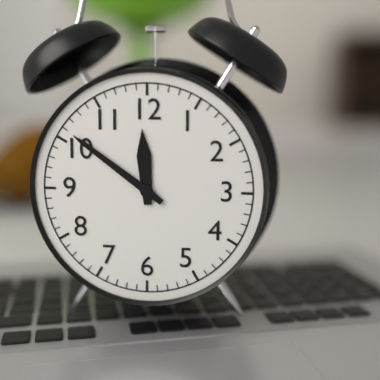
11.51
